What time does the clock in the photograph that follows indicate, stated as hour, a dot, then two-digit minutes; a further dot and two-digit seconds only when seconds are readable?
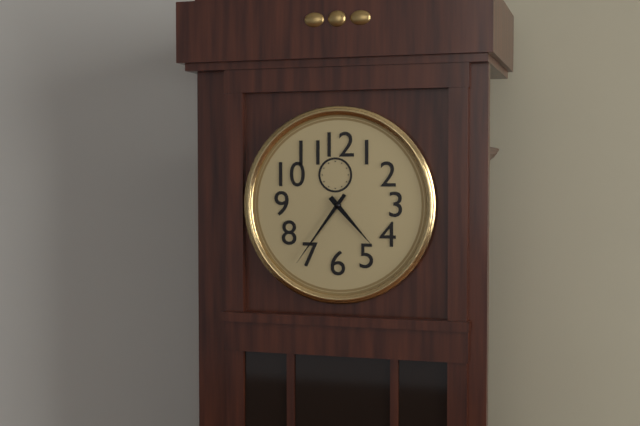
4.36
